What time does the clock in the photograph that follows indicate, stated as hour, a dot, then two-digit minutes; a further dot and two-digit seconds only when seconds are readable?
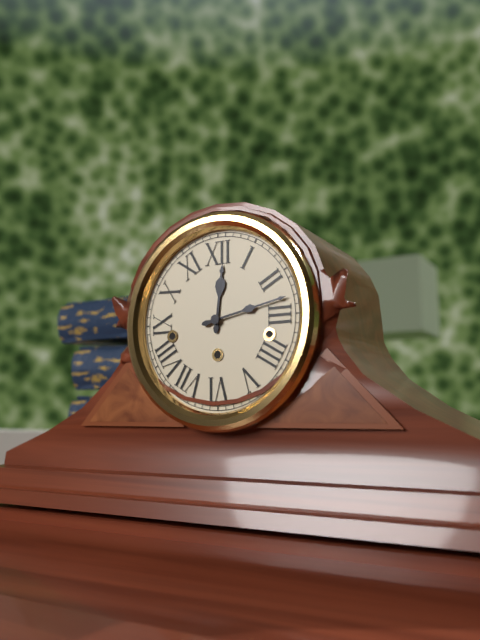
12.13
